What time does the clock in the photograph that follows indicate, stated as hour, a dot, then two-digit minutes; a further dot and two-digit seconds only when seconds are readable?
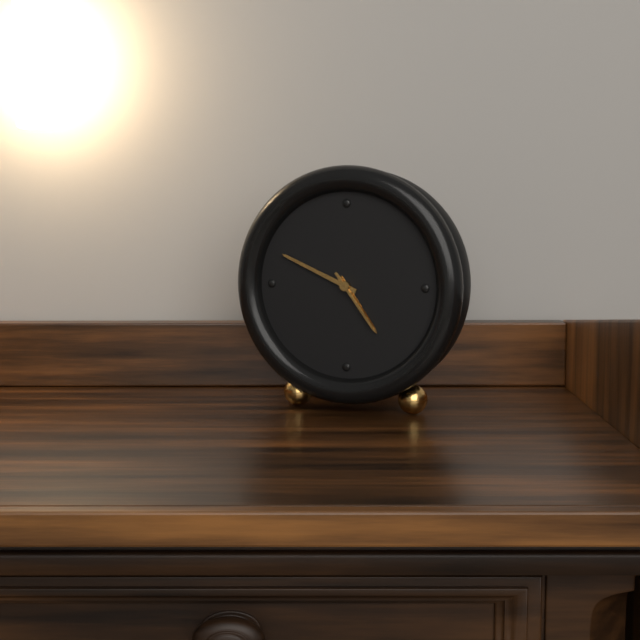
4.49.24
